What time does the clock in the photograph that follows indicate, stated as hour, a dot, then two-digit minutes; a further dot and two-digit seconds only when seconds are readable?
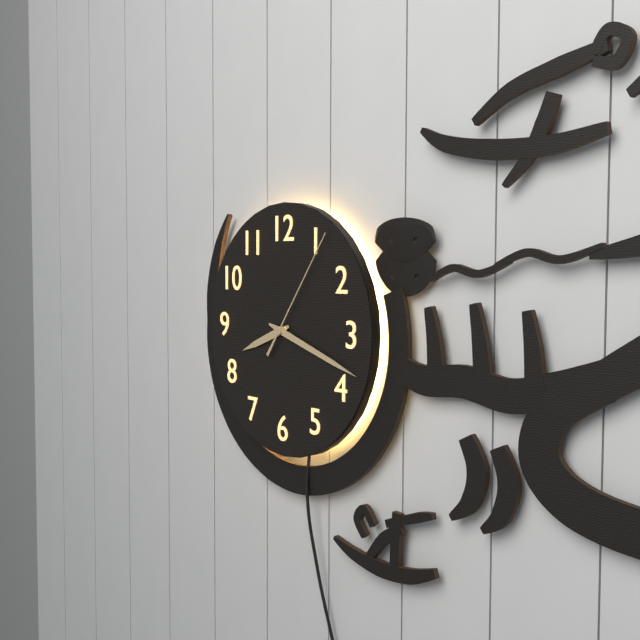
8.18.06
